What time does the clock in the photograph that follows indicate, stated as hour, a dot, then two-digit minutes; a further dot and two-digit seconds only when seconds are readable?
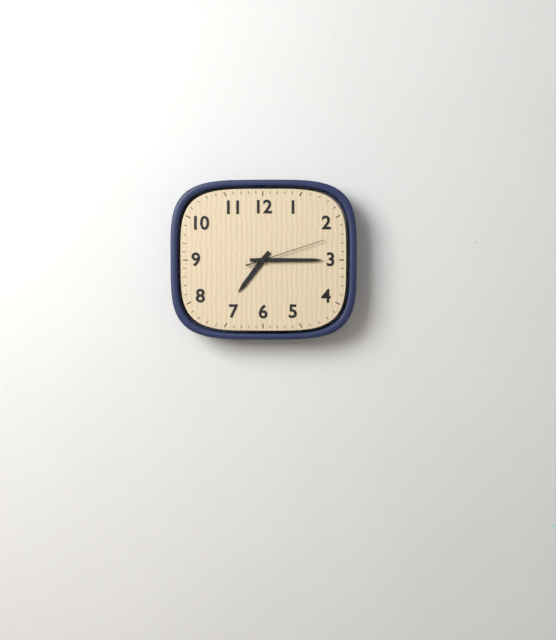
7.15.12
